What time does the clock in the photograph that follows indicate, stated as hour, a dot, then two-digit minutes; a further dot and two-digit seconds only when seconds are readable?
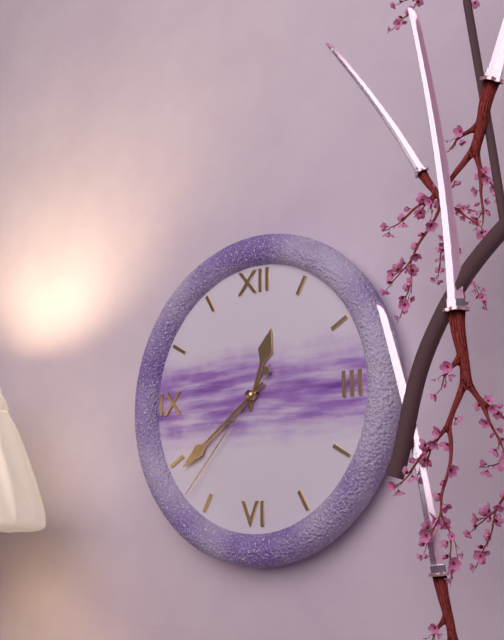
12.39.37
